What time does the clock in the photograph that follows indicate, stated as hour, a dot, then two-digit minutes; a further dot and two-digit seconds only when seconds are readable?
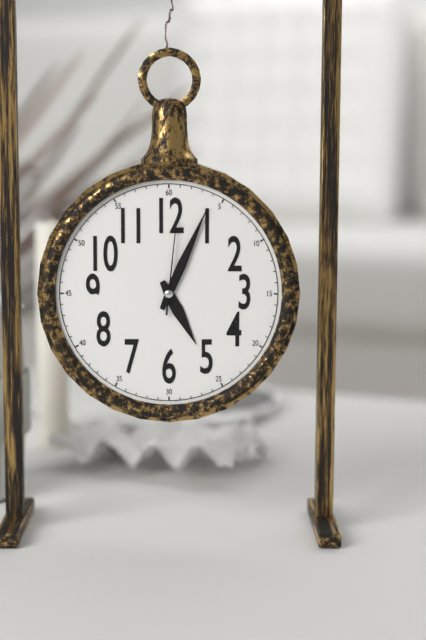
5.04.01
